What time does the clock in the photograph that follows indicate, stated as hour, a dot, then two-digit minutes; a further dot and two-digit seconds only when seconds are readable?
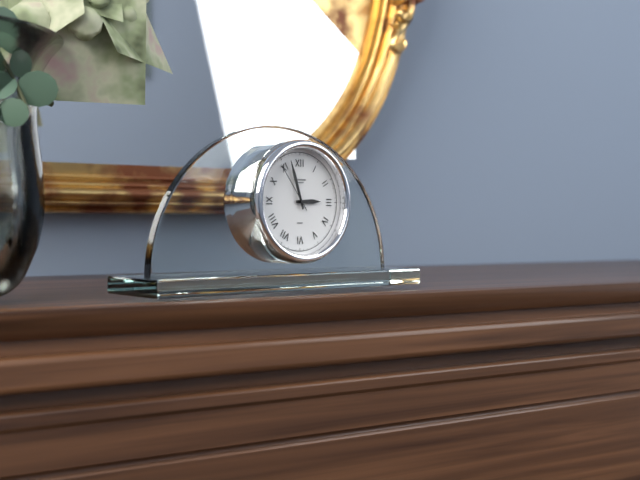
2.57.54
